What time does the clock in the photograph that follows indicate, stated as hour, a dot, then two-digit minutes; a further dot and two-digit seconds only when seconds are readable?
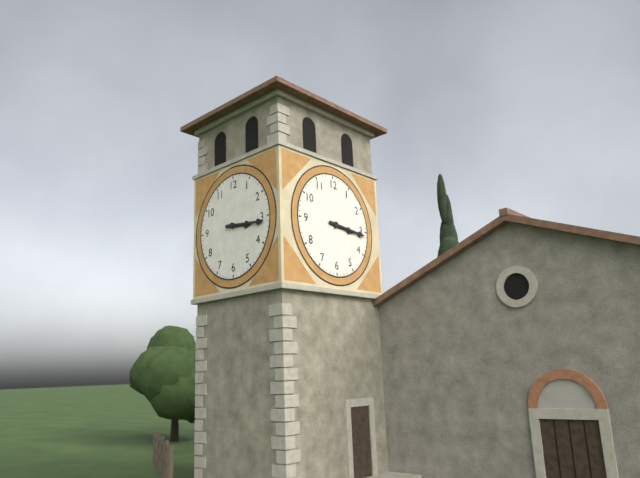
3.16
